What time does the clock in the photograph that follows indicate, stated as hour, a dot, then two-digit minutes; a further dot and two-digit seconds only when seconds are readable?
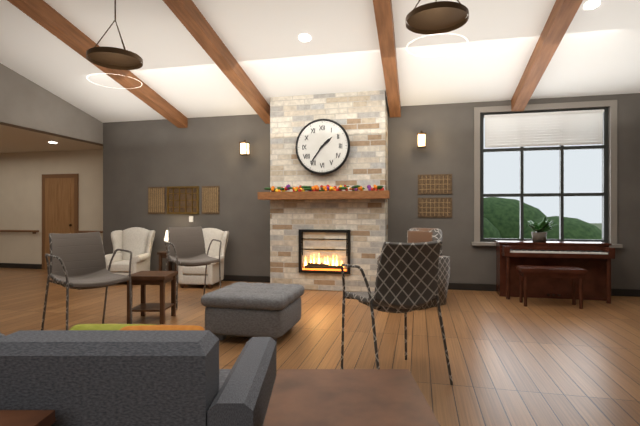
1.36
